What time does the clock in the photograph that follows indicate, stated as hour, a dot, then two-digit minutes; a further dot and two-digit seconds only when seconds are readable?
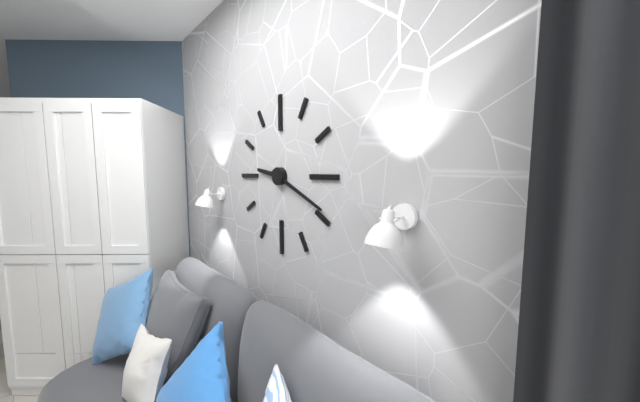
9.19
